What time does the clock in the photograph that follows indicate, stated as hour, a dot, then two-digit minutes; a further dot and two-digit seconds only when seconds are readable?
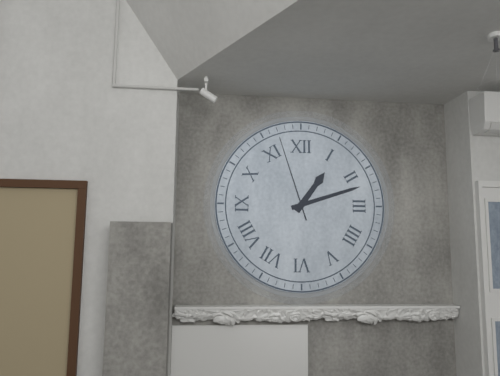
1.12.57
